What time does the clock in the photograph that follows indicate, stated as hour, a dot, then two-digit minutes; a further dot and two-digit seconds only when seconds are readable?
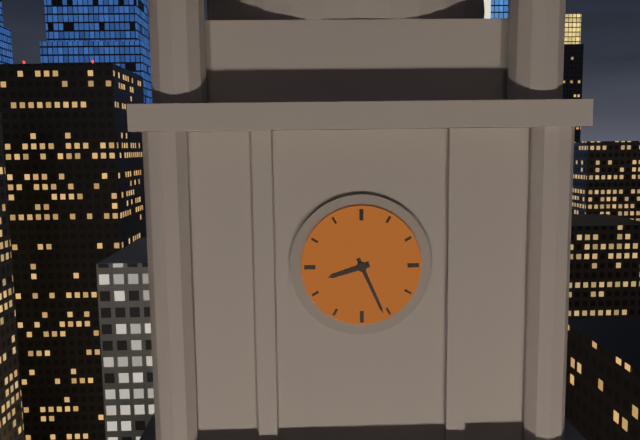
8.26
